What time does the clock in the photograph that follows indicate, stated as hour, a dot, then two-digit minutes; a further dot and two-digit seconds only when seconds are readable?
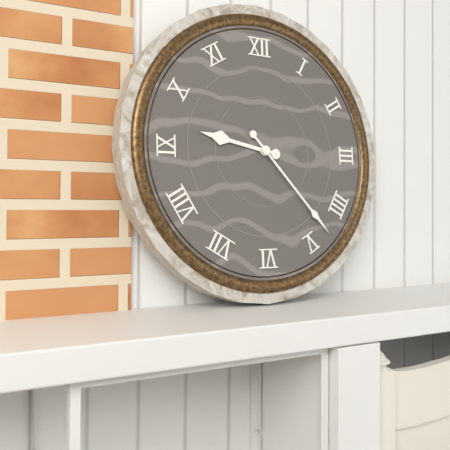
9.23
